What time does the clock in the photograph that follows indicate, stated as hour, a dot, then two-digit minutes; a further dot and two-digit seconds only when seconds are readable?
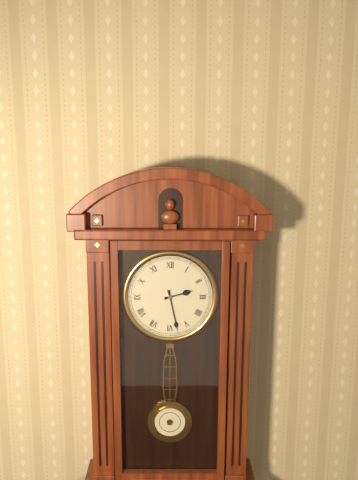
2.28
